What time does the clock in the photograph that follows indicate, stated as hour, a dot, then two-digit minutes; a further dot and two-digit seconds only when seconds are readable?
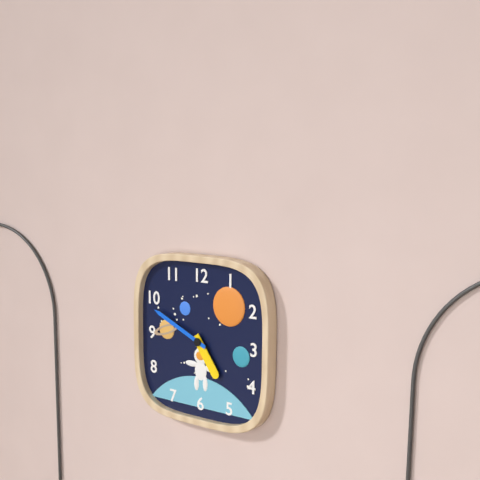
4.49
